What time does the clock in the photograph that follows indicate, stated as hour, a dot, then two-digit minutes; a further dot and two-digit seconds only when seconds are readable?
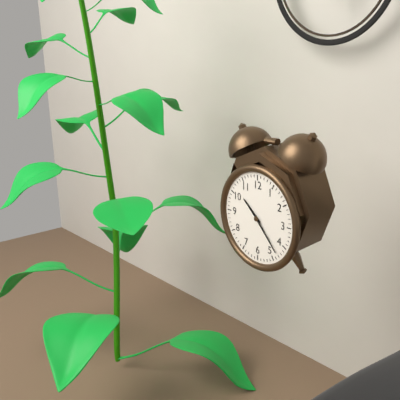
10.23
